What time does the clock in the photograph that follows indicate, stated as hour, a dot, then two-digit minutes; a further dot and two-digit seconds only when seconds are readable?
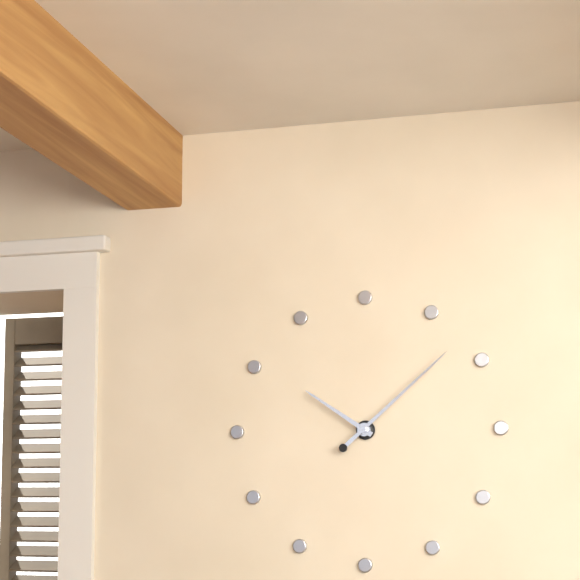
10.08
